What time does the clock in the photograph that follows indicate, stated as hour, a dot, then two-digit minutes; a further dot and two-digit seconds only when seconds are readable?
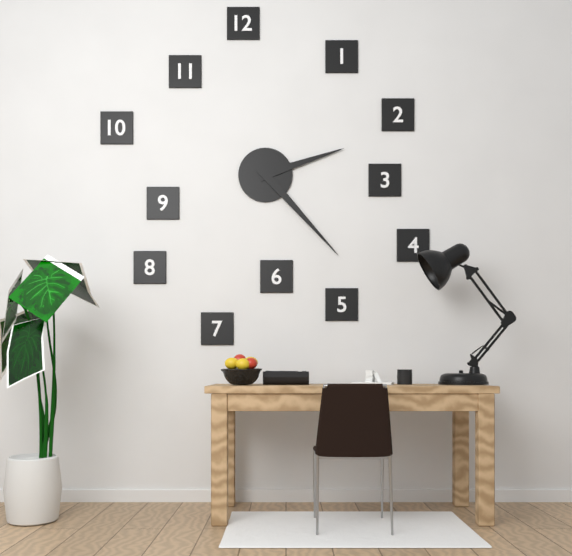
2.23
